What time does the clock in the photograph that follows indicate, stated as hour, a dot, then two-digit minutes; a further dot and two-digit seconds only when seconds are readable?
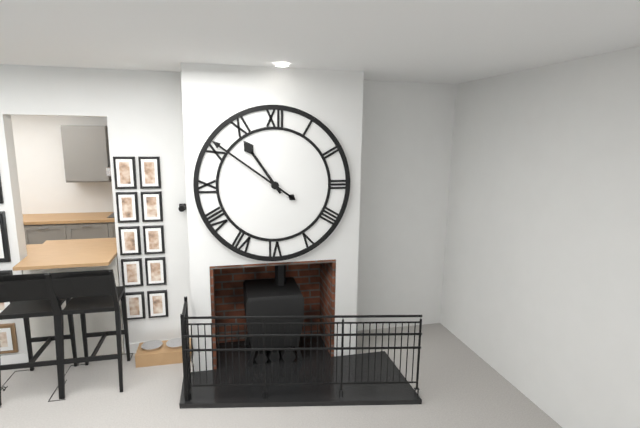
10.51
